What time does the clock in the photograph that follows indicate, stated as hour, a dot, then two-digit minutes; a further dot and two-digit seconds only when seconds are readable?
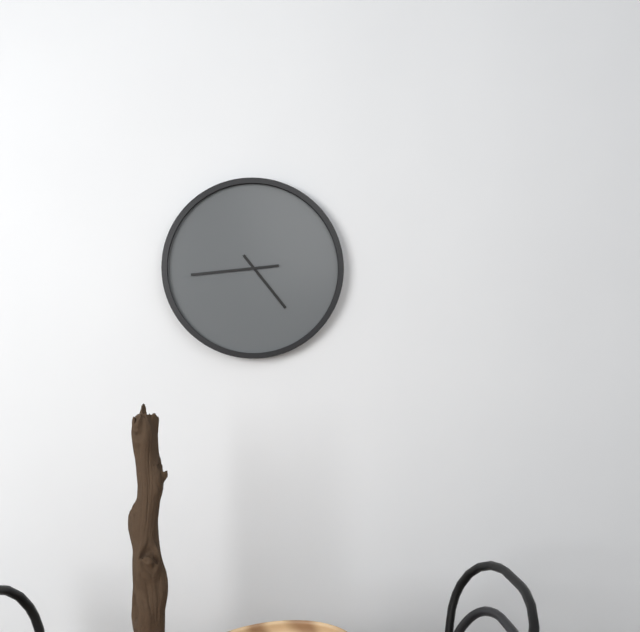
4.44
